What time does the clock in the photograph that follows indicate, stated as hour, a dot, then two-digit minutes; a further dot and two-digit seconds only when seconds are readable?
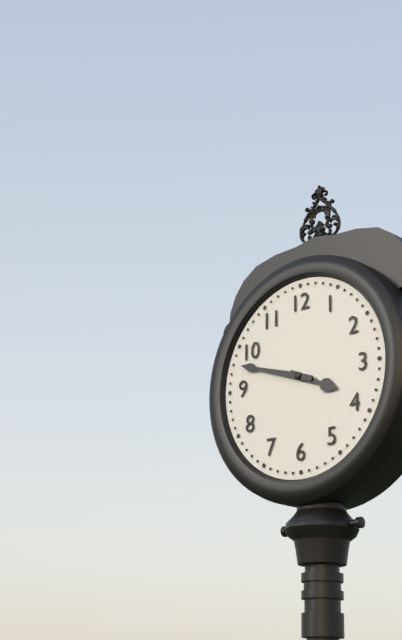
3.48
